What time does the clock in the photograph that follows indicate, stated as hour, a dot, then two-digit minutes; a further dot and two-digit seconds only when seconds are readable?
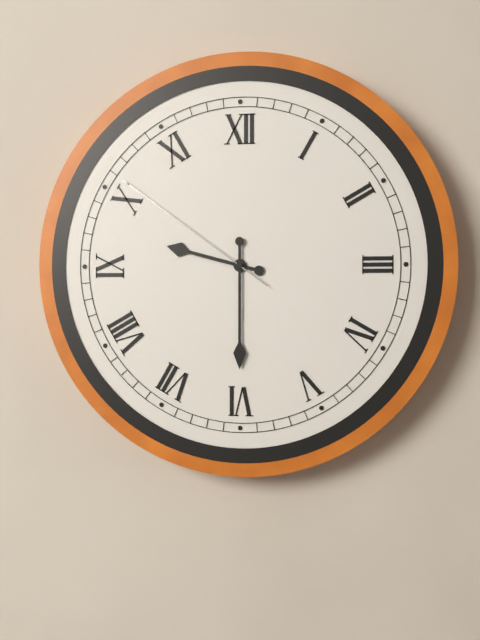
9.30.51
